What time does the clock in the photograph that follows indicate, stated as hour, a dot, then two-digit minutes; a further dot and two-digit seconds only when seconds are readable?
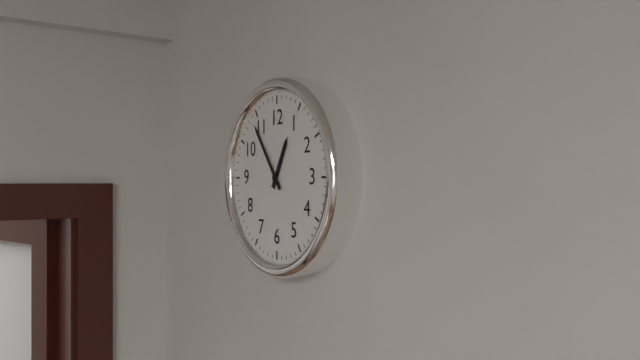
12.54
